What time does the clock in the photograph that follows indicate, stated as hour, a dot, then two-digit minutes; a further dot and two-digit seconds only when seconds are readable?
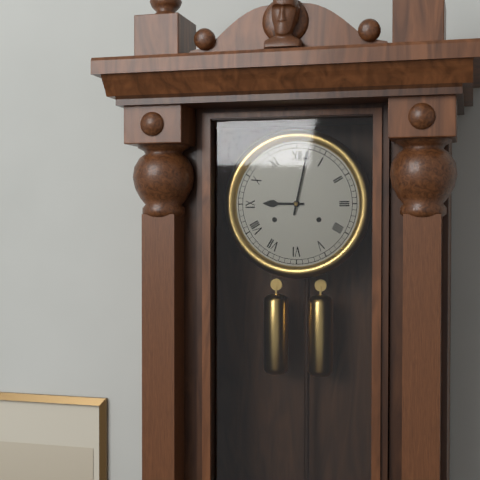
9.02
